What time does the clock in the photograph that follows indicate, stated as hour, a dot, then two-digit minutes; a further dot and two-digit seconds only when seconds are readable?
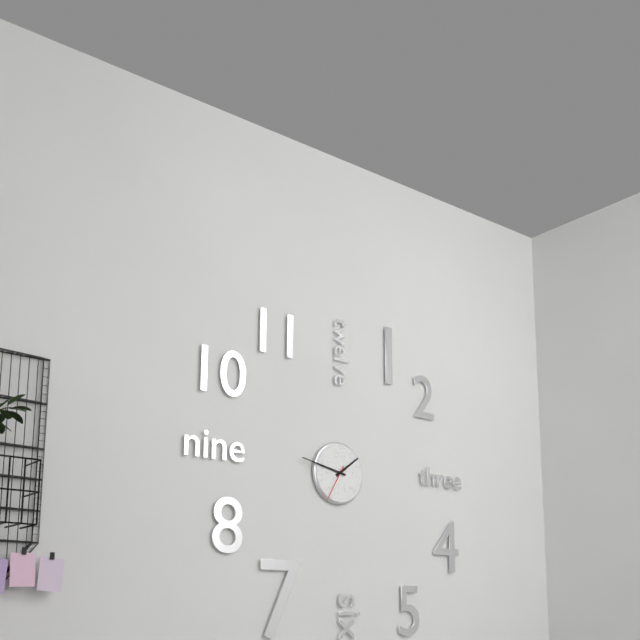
1.47
